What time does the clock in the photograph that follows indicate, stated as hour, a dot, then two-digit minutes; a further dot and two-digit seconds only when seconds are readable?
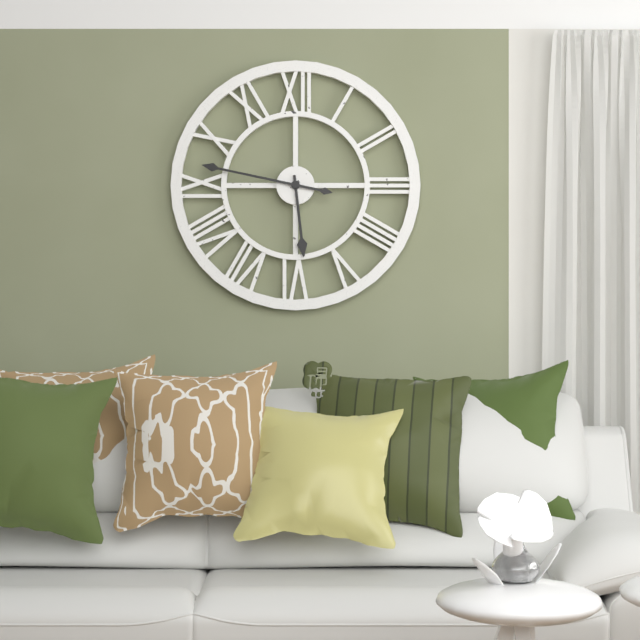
5.47
